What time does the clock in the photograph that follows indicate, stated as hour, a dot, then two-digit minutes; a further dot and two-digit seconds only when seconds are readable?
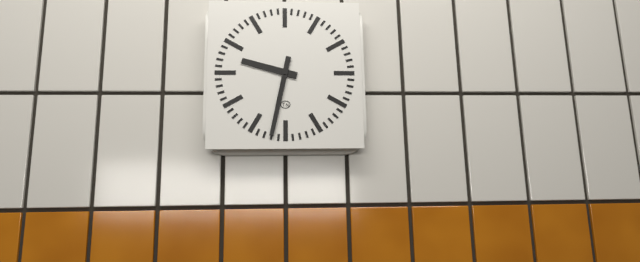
9.32
